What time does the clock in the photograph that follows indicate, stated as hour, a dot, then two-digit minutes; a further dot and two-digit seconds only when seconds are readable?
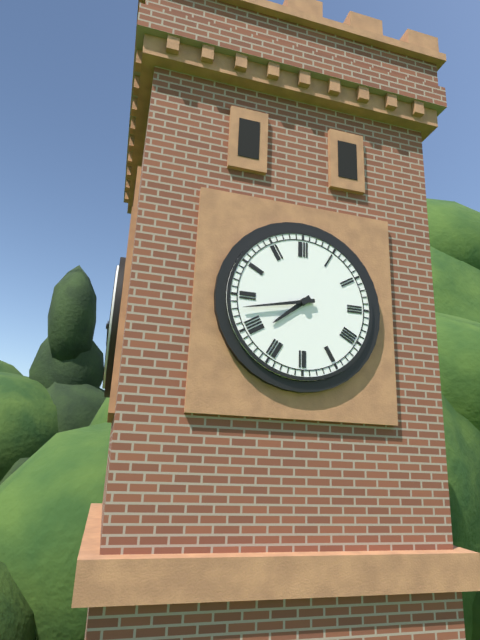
7.43
